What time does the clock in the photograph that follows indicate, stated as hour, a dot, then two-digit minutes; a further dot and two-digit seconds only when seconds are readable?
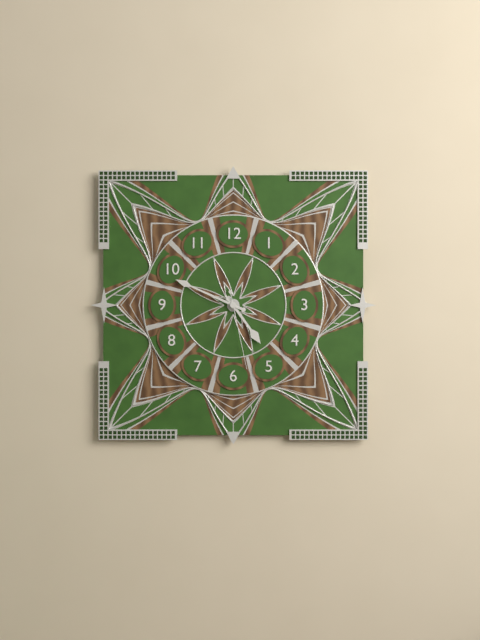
4.49.28
